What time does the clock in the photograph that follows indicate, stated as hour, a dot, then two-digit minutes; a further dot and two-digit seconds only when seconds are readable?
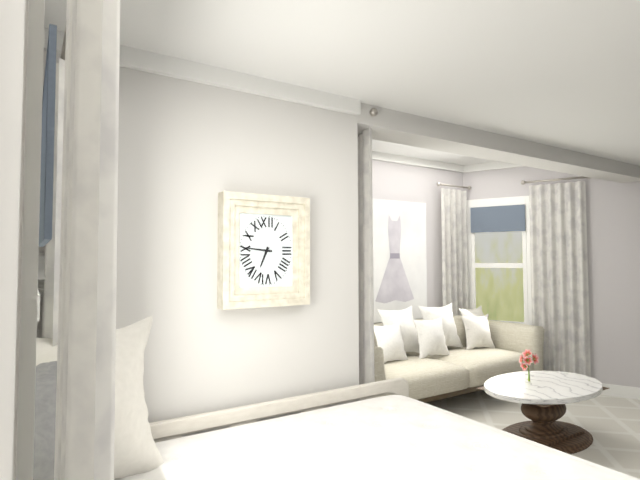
6.46
